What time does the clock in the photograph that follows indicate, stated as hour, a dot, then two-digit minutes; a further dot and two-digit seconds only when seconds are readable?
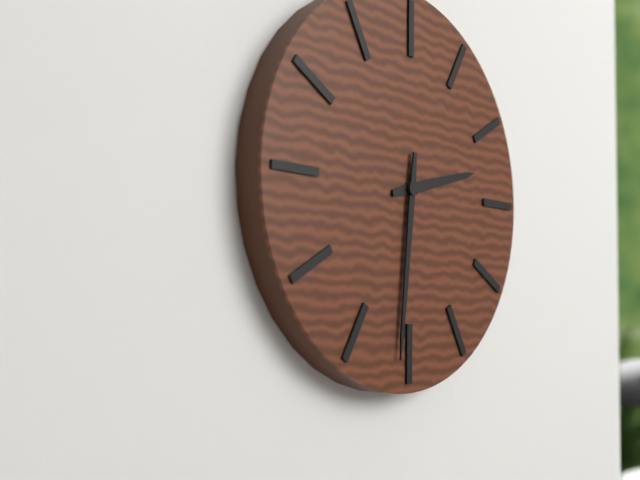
2.31
